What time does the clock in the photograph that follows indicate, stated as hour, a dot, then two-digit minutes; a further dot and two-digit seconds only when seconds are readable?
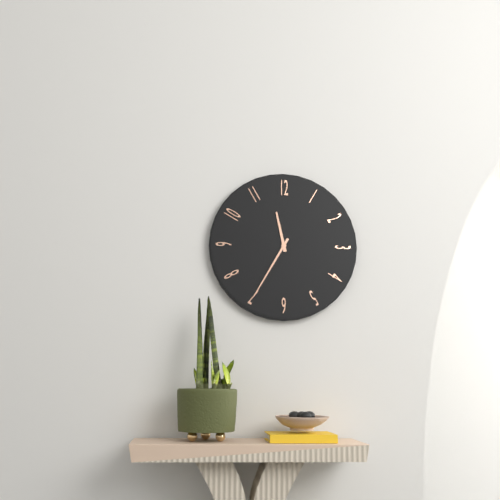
11.35
